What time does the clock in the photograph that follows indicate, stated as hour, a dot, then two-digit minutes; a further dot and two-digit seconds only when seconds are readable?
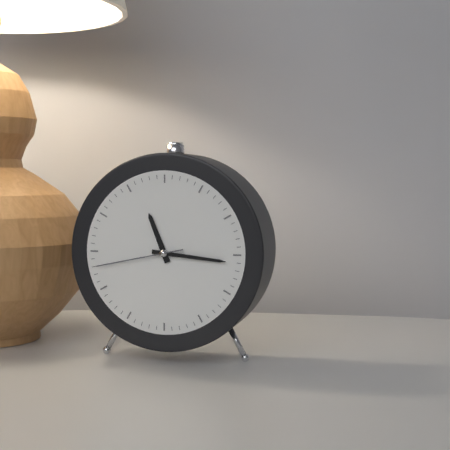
11.16.43
